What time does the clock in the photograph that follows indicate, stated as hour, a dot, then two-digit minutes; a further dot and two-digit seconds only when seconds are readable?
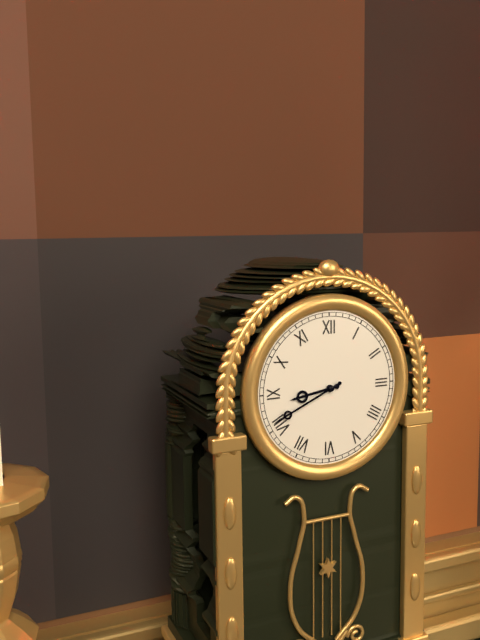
8.41
